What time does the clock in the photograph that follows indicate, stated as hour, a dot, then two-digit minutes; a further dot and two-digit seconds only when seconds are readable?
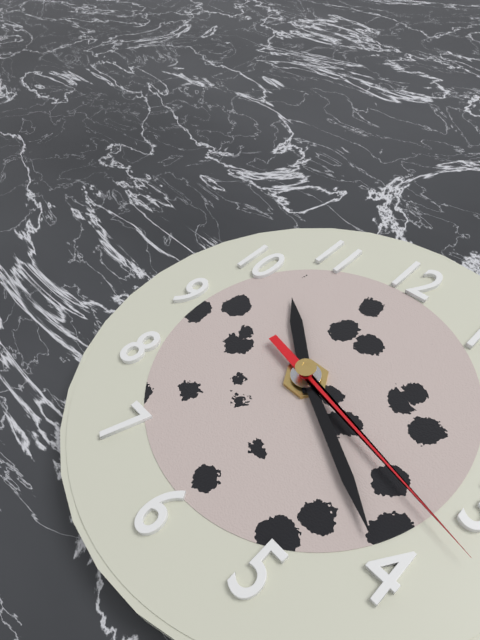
10.20.17
